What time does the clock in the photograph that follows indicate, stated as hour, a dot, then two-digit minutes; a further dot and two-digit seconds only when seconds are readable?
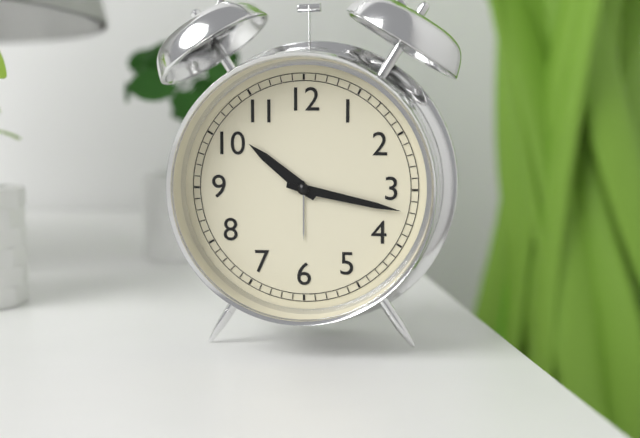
10.17
